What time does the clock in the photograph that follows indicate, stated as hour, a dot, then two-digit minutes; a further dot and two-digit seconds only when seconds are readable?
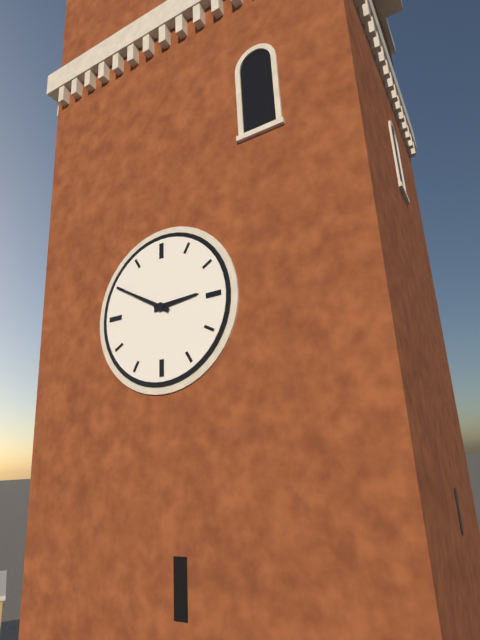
2.50
